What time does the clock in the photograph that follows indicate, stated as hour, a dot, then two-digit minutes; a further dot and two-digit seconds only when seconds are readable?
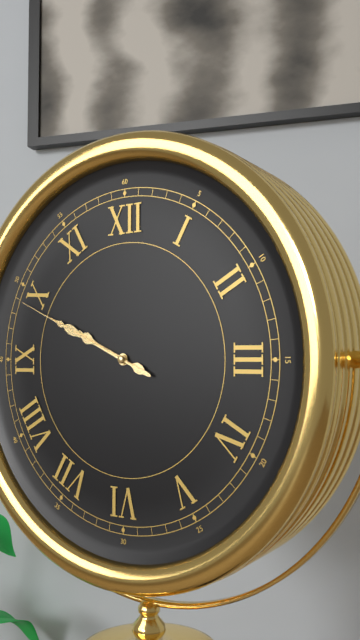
9.49.49
